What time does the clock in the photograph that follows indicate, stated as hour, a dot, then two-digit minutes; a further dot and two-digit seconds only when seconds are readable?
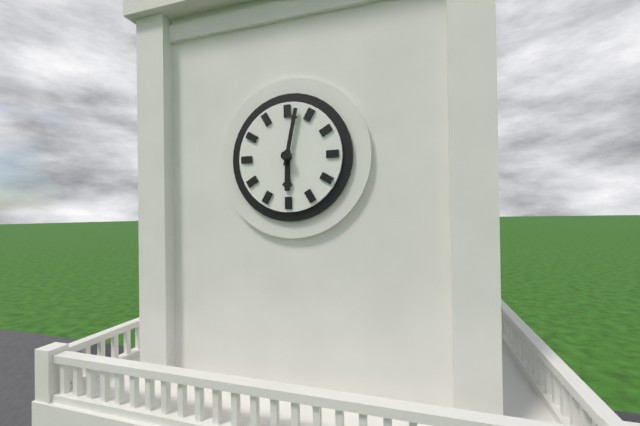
6.02
